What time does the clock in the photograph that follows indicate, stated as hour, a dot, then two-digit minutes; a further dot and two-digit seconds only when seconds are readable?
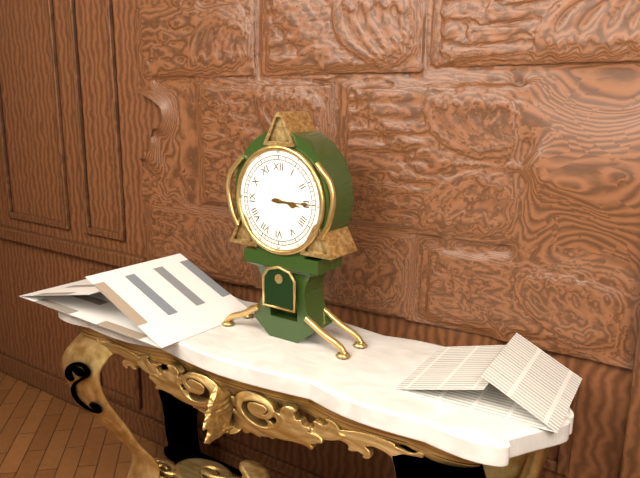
3.15
